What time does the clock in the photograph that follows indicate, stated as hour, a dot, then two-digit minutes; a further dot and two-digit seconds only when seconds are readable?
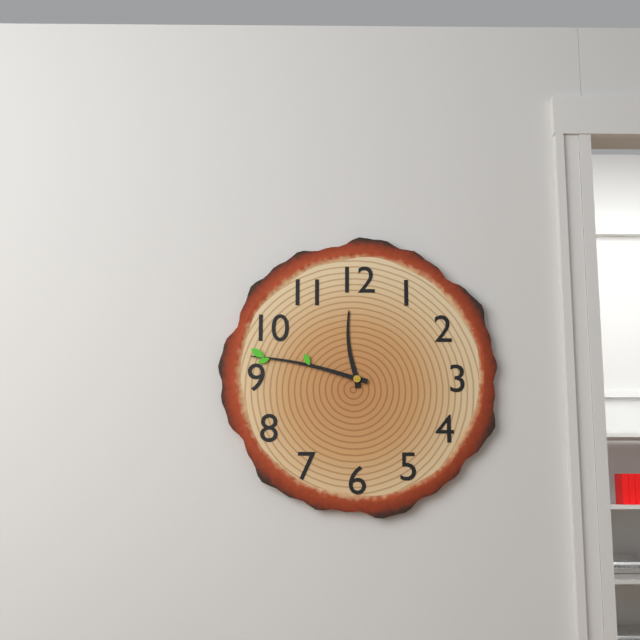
11.47
